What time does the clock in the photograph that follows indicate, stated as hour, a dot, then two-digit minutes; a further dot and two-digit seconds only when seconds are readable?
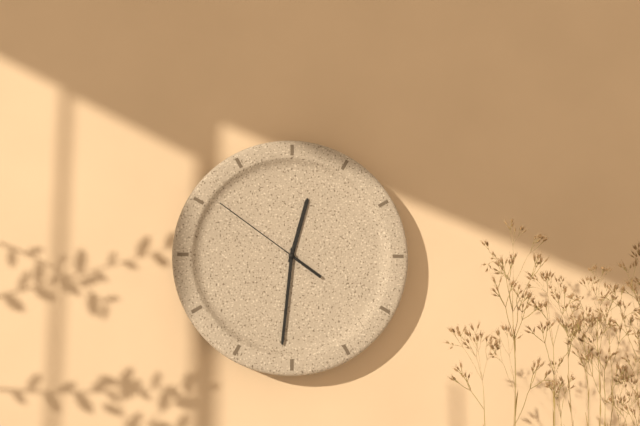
12.31.51
